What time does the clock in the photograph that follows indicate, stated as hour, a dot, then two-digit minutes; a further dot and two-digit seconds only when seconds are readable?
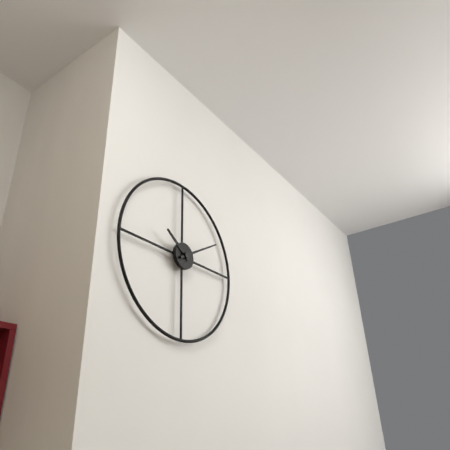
10.10
